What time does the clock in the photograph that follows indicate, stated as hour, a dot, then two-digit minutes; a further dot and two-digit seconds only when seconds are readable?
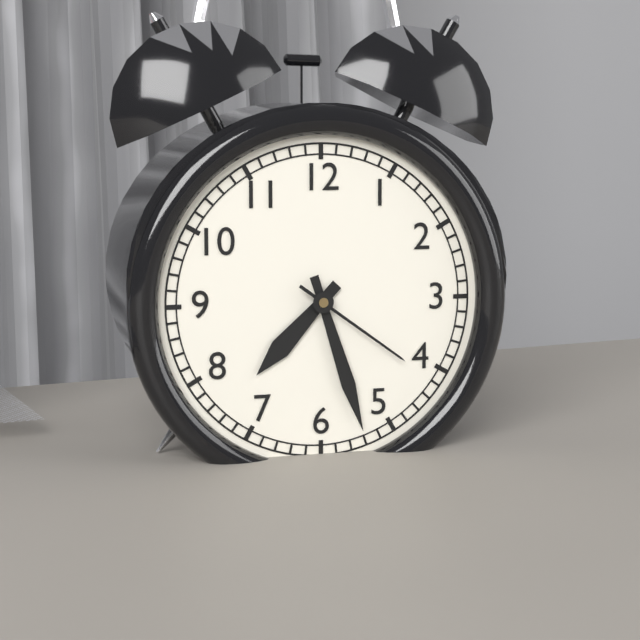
7.27.21
